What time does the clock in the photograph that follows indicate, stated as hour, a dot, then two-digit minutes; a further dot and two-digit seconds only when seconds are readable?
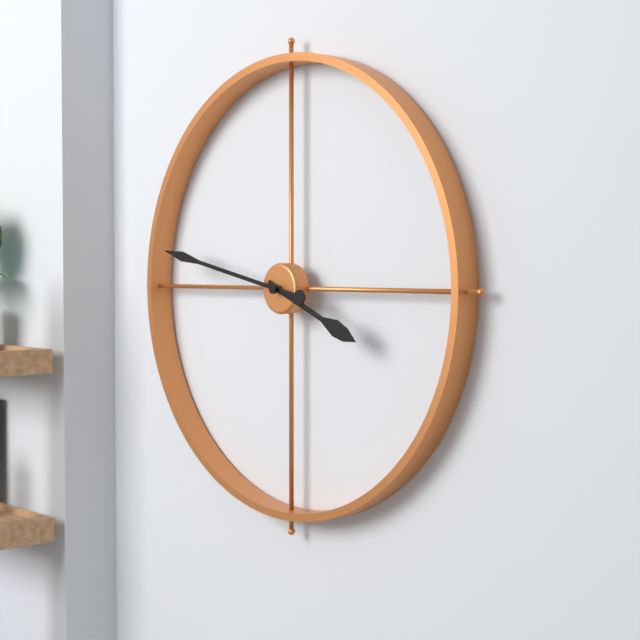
3.47
